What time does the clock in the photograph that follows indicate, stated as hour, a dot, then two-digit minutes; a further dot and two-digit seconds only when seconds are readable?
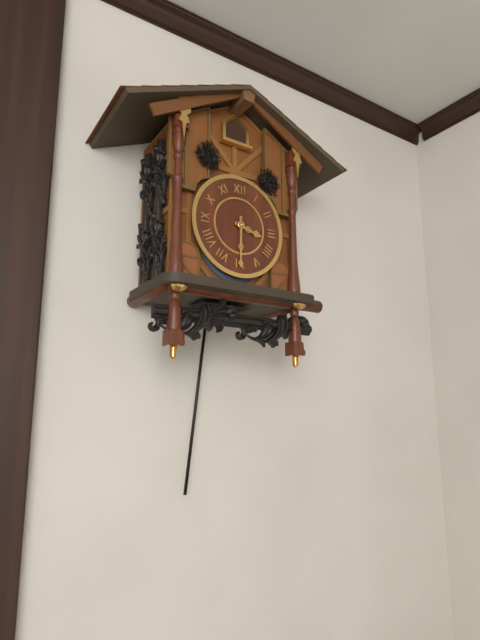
3.30
